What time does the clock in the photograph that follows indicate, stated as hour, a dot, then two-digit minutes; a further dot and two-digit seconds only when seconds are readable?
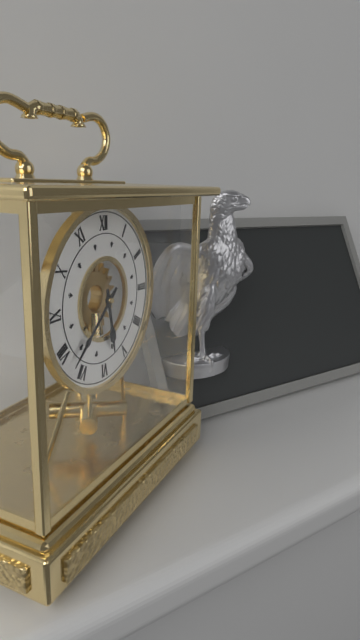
5.38
